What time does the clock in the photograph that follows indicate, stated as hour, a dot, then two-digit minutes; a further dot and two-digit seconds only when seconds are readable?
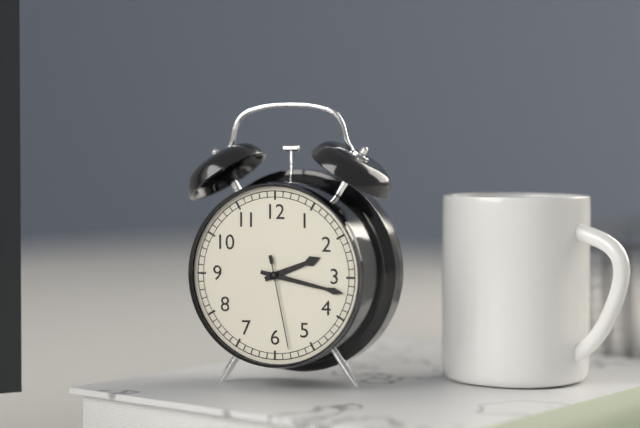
2.17.28
